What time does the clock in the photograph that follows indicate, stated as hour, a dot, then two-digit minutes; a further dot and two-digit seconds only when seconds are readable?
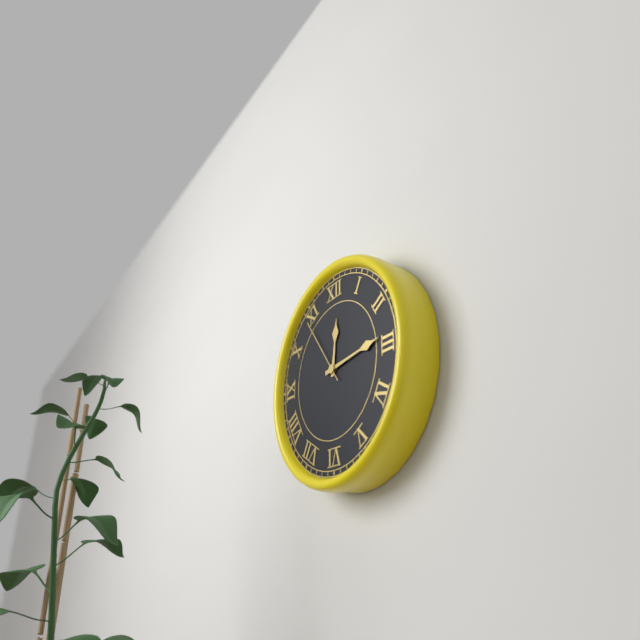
12.14.54
